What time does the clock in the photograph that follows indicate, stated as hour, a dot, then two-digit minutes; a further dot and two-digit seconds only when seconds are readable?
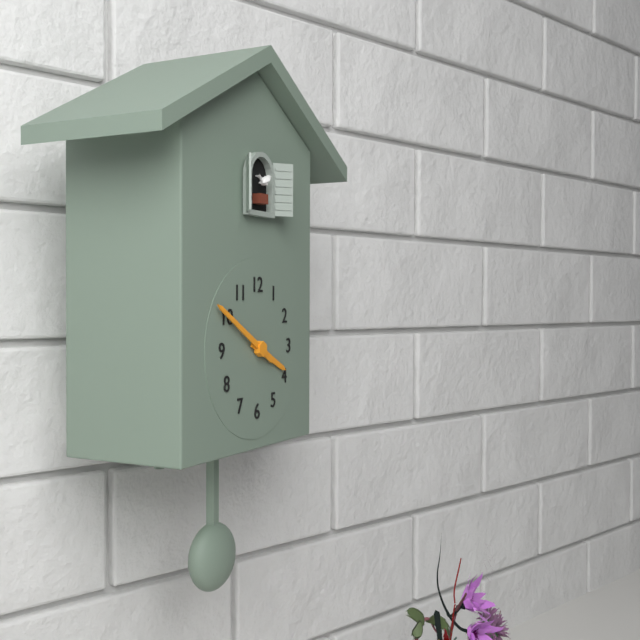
3.50
